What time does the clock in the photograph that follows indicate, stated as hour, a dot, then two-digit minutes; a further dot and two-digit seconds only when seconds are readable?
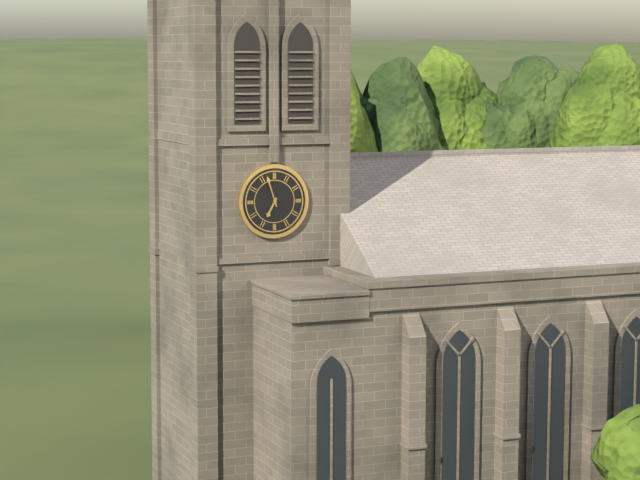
6.57
